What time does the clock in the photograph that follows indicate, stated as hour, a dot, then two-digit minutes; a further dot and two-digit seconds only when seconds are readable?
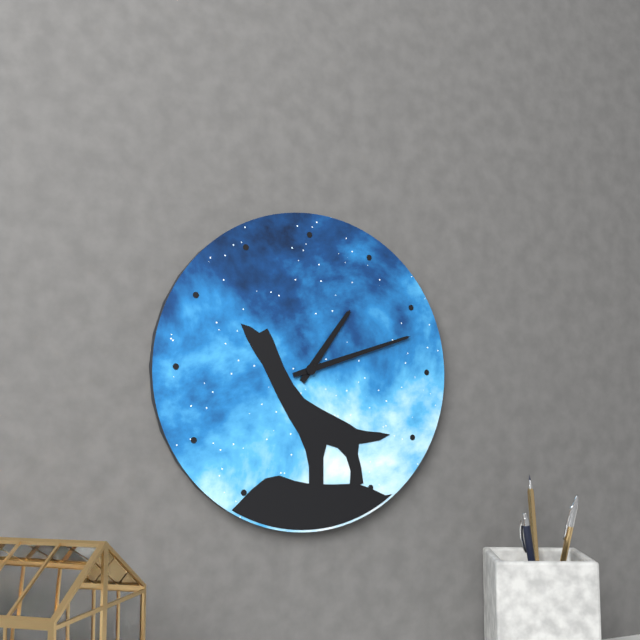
1.12
